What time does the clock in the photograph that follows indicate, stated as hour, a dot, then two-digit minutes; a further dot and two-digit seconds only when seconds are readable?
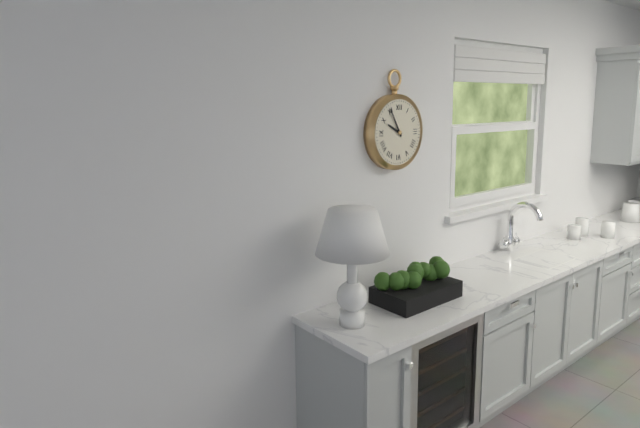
9.55
